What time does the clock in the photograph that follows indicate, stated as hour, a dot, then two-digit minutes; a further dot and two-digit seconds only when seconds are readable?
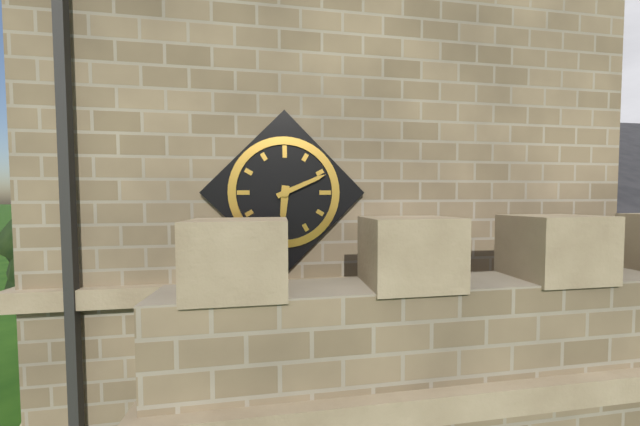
6.11
